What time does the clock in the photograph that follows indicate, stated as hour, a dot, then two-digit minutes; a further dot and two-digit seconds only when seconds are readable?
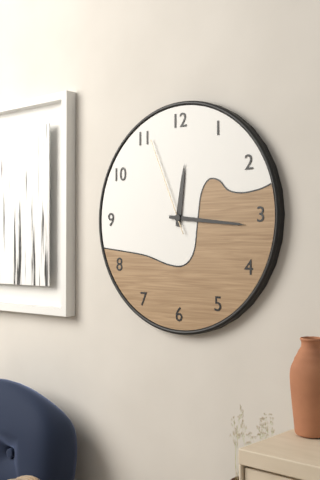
12.16.56
